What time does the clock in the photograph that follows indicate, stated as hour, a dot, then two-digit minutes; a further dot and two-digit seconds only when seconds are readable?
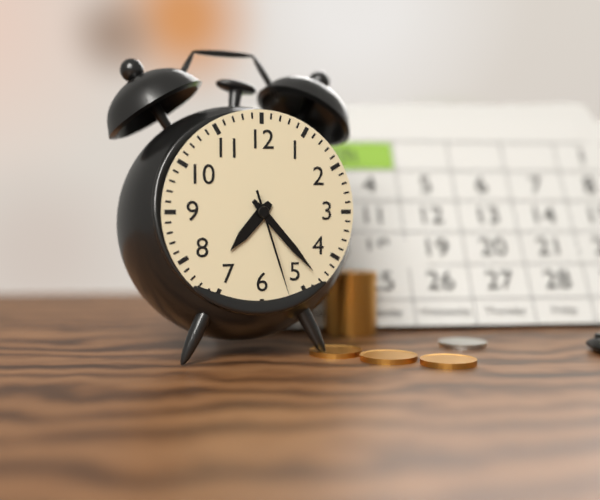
7.23.27
